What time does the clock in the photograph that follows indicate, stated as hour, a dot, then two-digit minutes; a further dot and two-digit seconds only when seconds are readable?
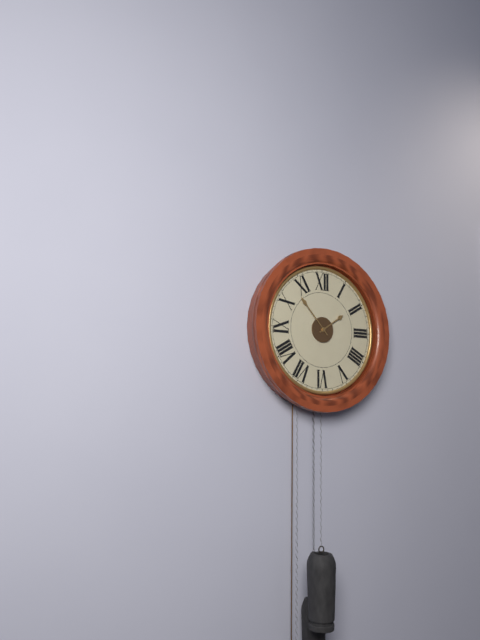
1.53
